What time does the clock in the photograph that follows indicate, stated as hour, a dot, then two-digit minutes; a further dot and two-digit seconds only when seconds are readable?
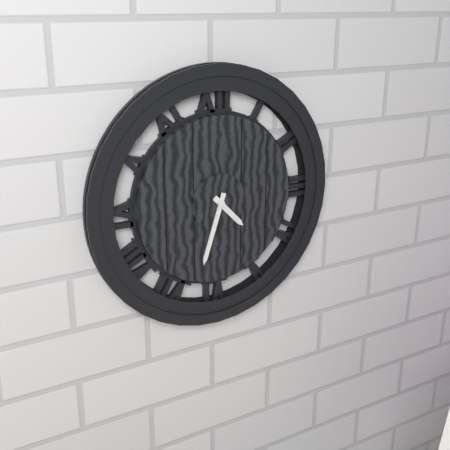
4.33
